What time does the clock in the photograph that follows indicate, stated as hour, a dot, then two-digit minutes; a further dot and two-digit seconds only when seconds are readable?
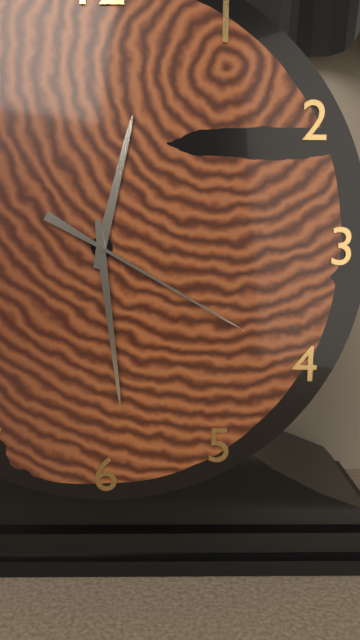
12.29.20
